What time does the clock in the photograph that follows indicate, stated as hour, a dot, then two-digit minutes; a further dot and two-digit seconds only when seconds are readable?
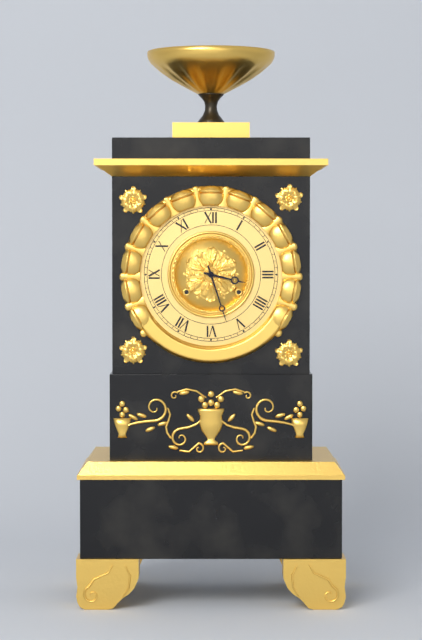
3.27
